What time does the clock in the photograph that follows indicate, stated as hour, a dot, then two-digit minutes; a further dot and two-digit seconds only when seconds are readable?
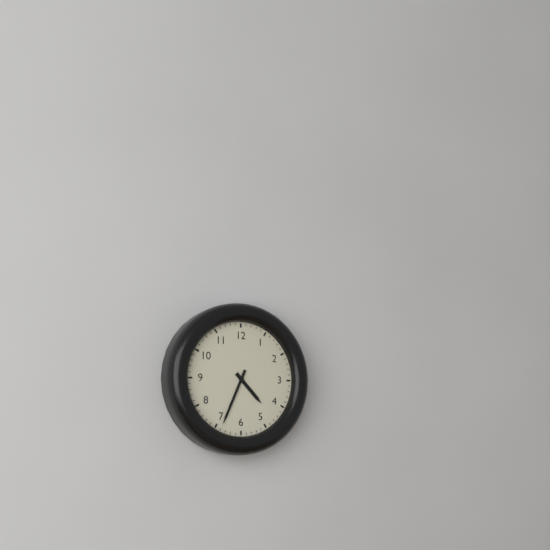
4.34
